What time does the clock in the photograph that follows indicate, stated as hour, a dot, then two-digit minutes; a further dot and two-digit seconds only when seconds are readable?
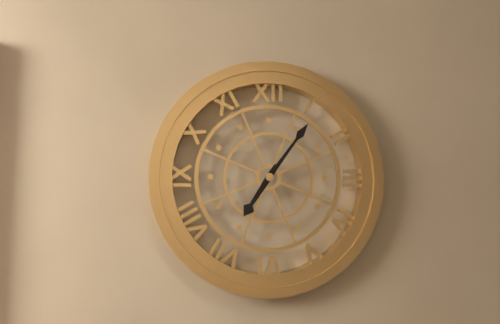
7.06
